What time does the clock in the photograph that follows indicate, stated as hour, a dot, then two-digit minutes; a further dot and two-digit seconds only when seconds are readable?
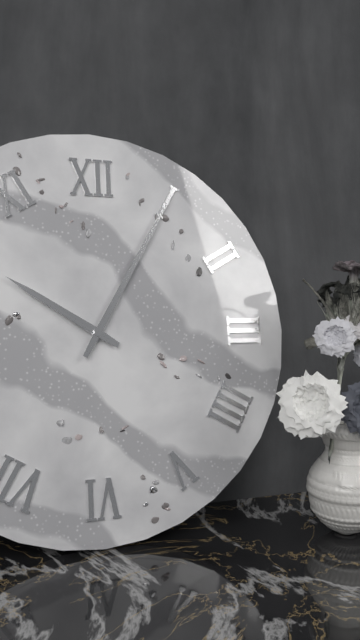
10.05
